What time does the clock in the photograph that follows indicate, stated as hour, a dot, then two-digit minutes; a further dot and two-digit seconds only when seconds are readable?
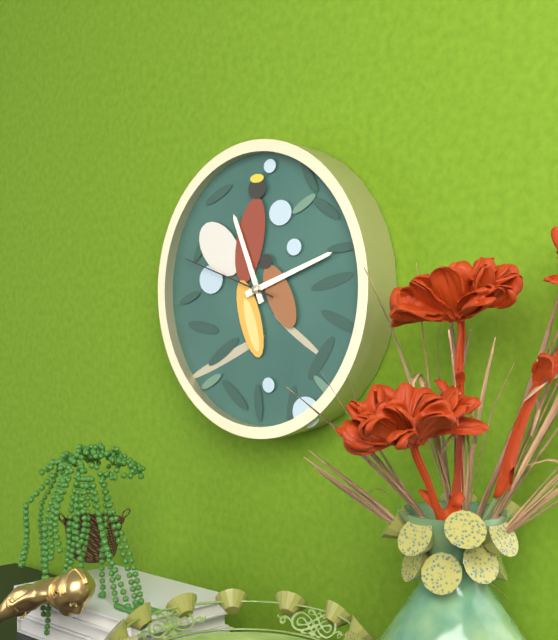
11.12.48
